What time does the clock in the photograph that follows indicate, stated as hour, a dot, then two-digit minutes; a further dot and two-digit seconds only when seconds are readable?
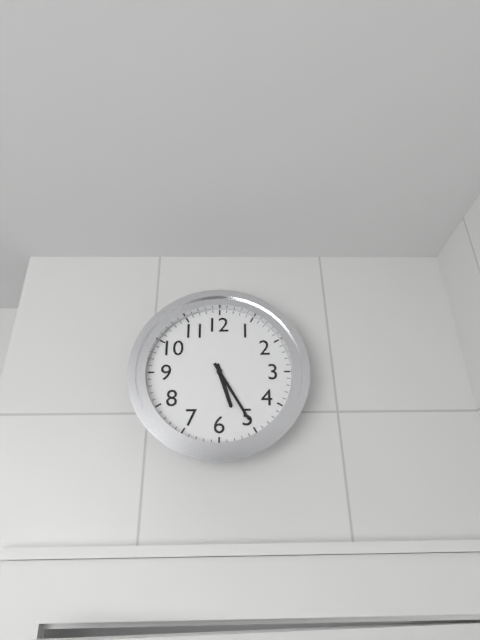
5.25
